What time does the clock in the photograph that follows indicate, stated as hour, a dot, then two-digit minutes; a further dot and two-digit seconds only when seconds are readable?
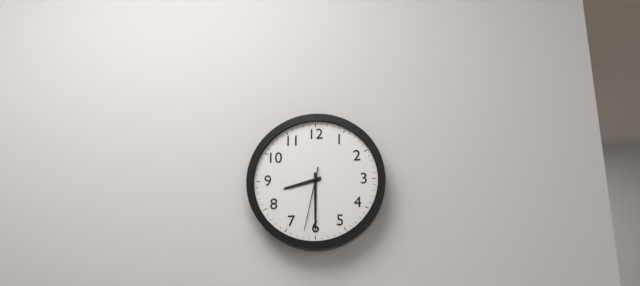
8.30.32
